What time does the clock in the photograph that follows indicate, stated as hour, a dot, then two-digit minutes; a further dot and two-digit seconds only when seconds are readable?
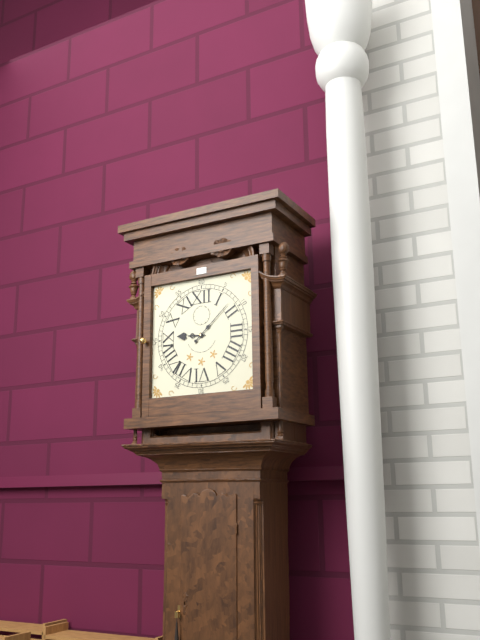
9.08
